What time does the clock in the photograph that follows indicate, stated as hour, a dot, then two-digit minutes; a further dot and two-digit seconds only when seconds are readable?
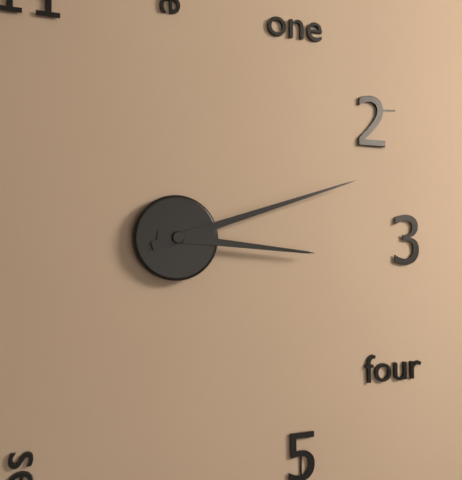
3.12
